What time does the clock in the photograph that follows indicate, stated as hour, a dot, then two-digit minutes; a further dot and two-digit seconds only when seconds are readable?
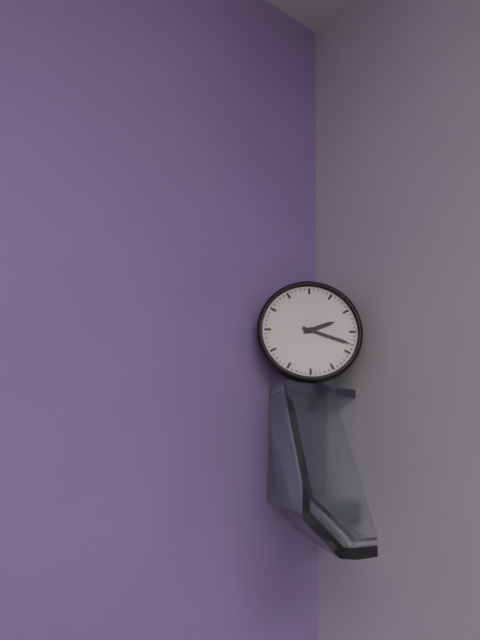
2.18
